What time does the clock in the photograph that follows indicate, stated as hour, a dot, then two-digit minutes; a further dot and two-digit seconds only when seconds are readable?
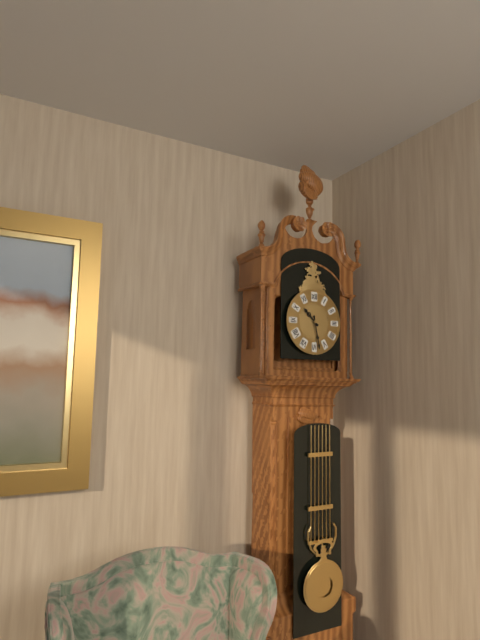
10.28
